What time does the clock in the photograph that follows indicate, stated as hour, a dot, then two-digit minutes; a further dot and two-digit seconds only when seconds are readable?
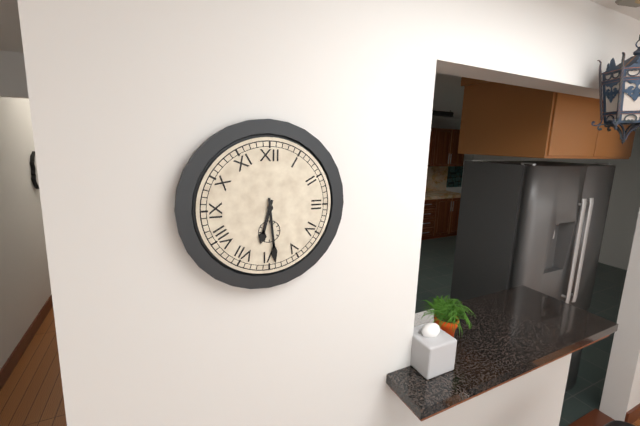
6.29
